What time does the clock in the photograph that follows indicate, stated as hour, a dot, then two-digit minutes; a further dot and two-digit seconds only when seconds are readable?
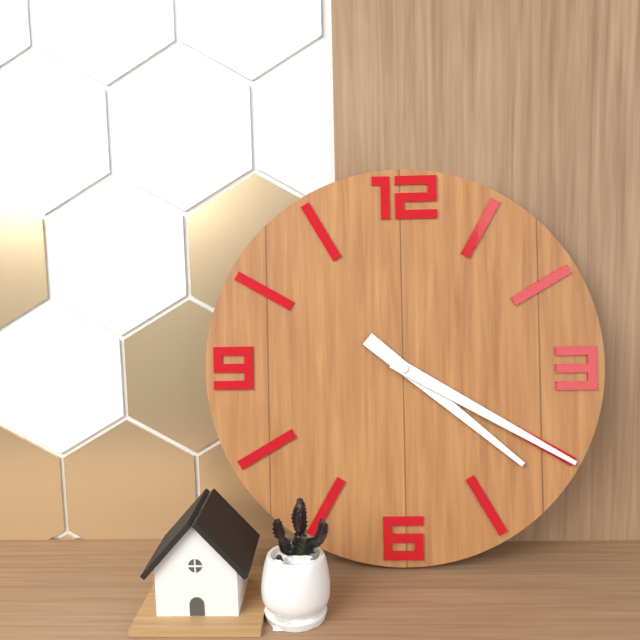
4.20
